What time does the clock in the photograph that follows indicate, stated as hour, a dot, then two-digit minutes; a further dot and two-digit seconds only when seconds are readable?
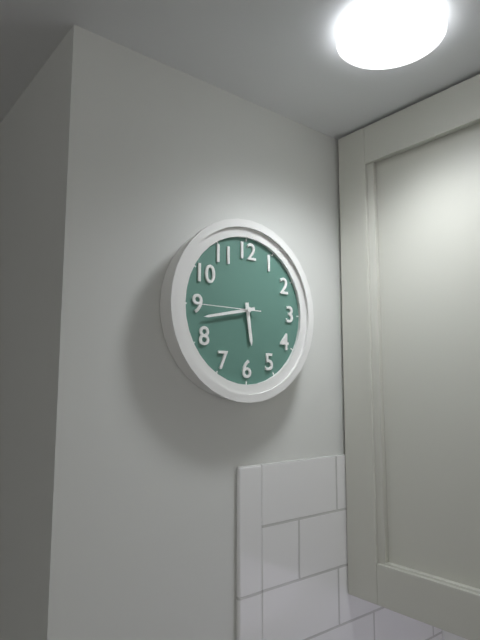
5.43.45
